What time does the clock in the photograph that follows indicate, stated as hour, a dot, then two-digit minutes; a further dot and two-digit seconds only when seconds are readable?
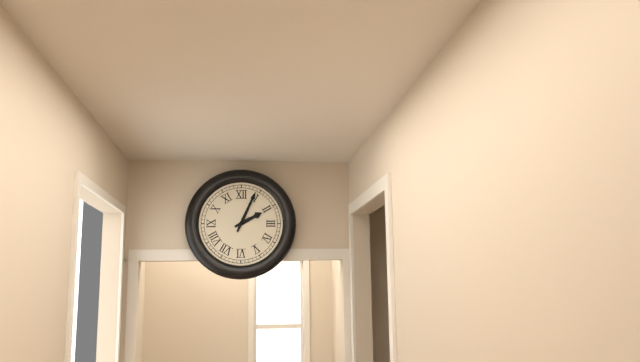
2.04
